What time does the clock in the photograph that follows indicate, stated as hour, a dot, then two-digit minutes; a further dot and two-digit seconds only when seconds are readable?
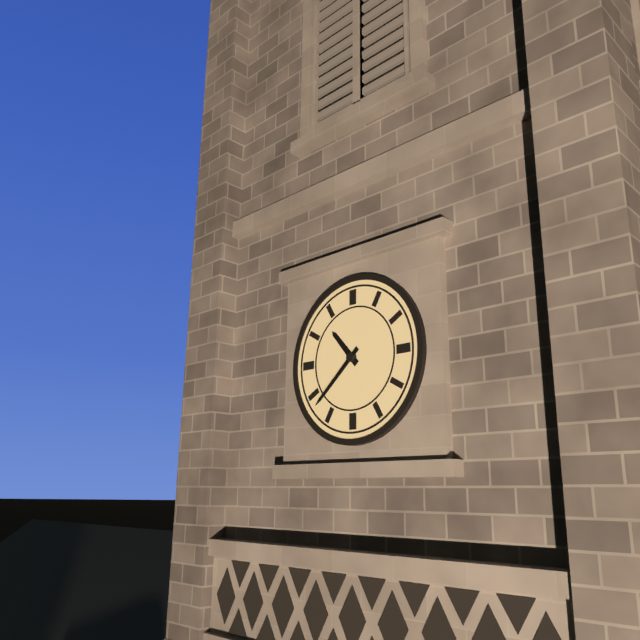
10.38
